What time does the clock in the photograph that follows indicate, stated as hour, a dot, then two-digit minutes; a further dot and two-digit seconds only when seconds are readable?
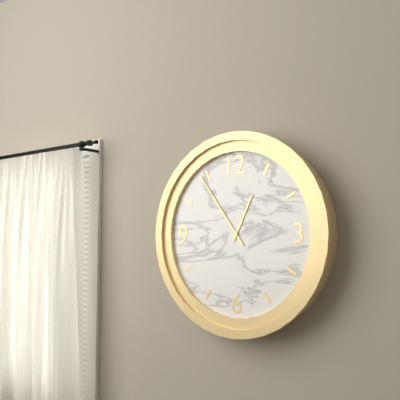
12.54
